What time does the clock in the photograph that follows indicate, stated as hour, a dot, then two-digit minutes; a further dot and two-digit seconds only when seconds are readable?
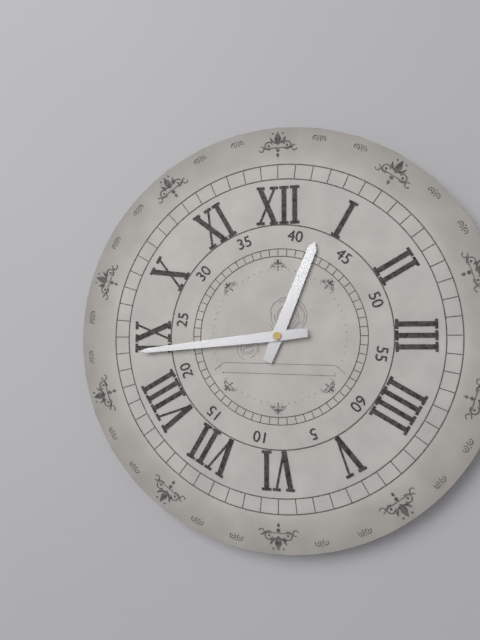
12.44
